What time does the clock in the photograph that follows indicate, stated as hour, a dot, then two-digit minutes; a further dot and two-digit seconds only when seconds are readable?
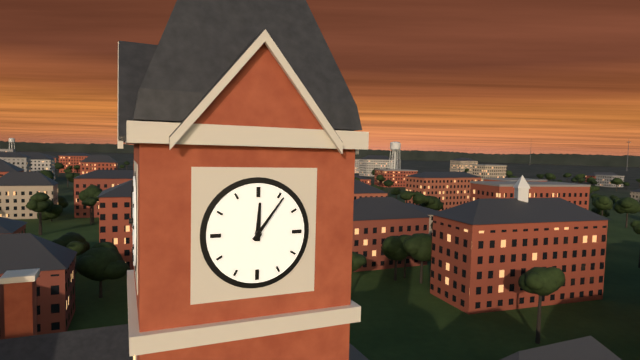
12.06
